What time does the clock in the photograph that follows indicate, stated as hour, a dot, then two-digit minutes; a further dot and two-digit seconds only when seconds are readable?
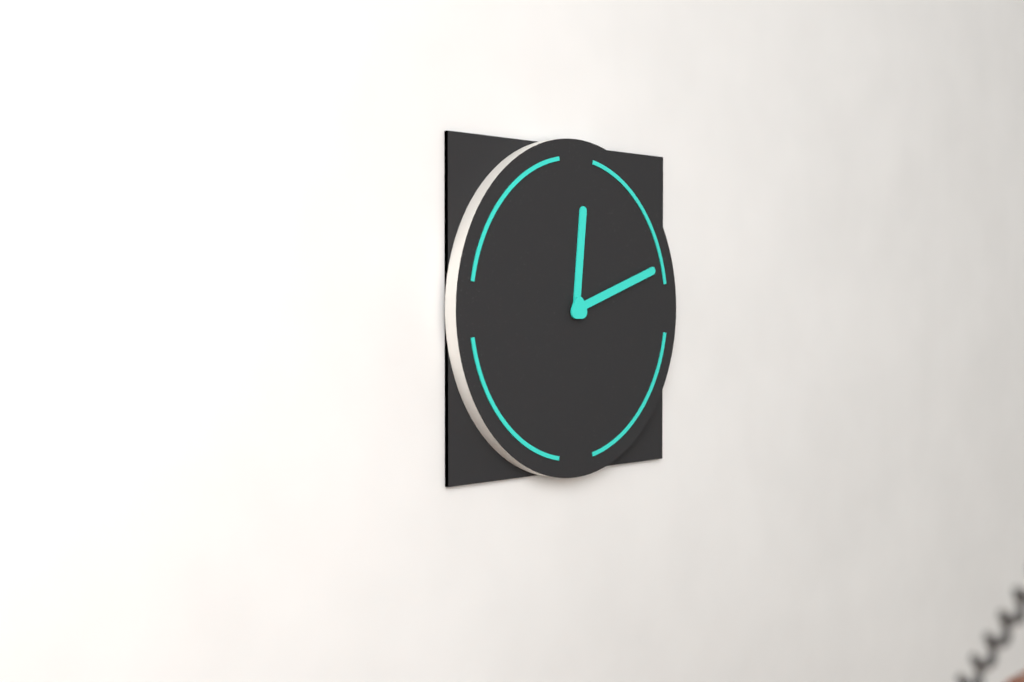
12.12
